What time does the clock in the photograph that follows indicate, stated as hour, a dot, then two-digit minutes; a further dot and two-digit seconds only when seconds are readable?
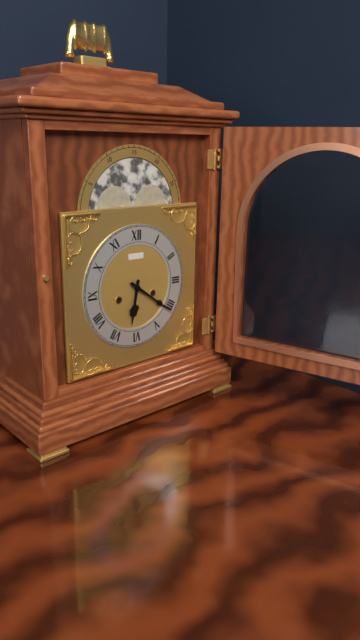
6.21
